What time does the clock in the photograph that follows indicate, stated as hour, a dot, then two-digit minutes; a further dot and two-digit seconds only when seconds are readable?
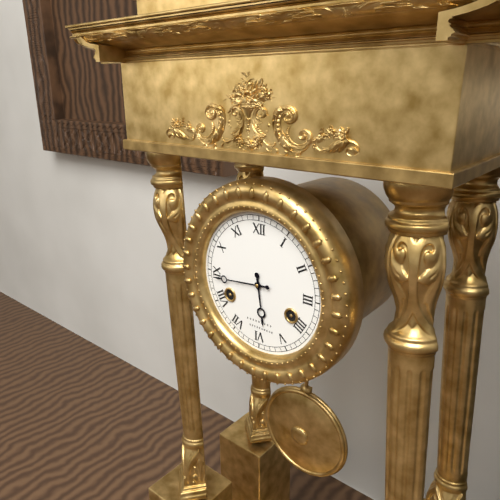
5.44
